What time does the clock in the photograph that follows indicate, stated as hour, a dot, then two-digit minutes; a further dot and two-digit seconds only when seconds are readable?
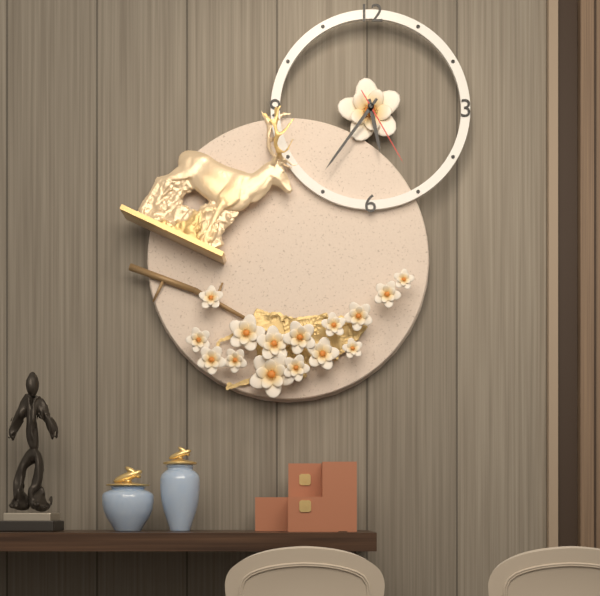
5.36.25
